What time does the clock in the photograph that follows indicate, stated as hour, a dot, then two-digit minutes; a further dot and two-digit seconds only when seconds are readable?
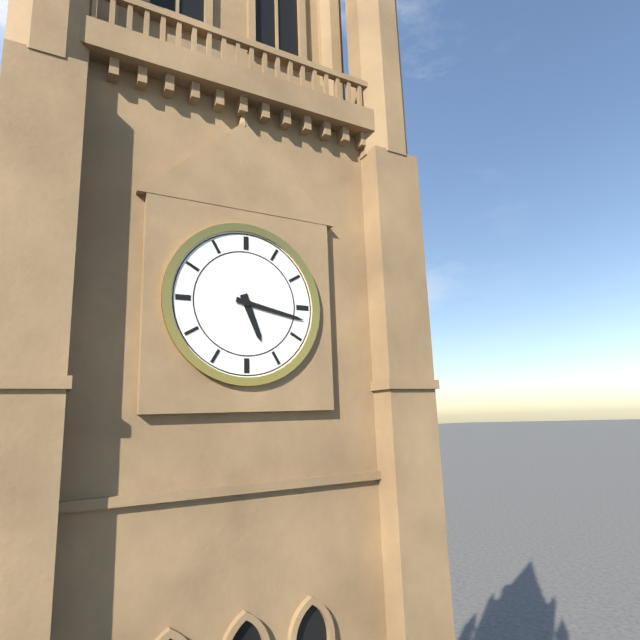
5.17
